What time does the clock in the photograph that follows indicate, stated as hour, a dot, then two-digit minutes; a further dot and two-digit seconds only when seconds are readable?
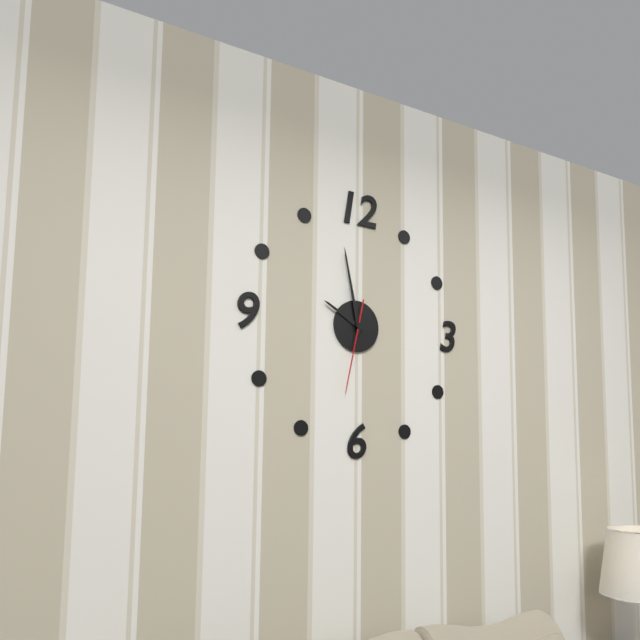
9.58.32
